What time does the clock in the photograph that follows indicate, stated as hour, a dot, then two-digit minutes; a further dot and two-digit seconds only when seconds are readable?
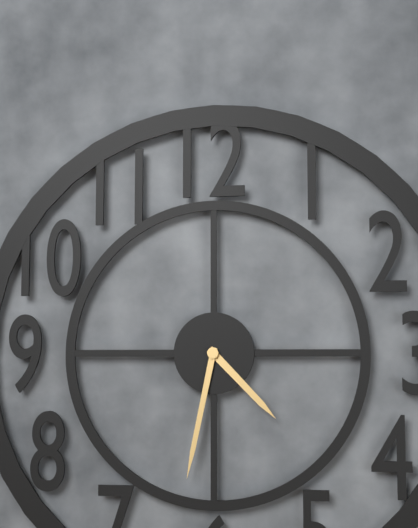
4.32
